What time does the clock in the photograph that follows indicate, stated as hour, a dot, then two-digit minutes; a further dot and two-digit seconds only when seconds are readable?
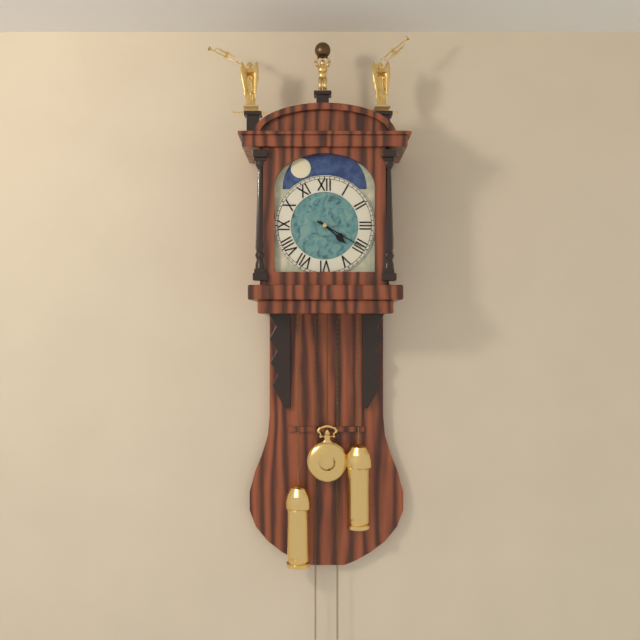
4.20
